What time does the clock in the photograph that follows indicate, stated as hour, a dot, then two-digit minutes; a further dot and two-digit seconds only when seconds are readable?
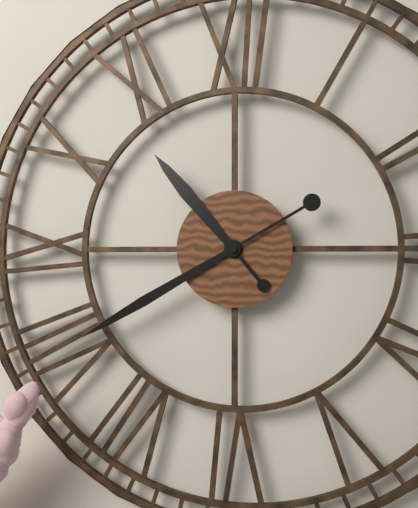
10.40
